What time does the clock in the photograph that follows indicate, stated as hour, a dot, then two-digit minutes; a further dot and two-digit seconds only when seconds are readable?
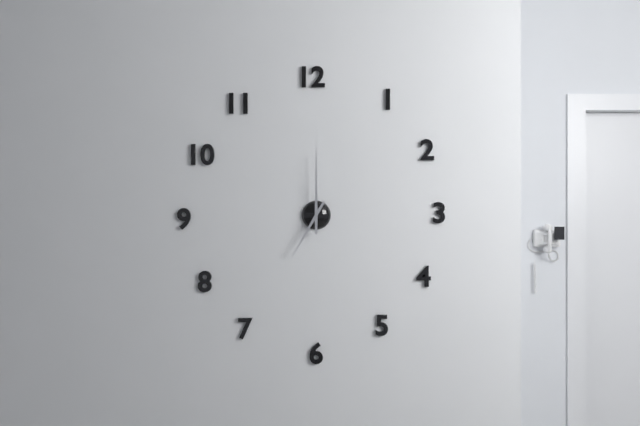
7.00
